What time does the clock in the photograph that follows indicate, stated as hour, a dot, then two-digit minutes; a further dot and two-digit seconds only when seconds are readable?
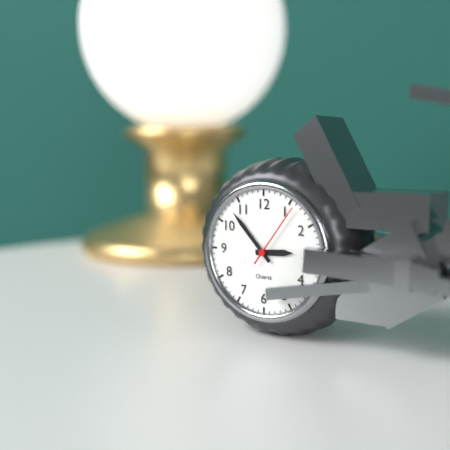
2.53.06
